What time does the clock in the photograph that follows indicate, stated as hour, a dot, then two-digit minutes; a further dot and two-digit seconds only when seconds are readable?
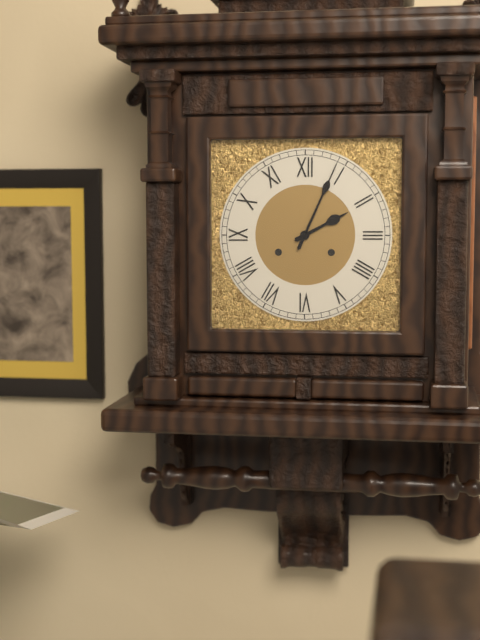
2.04
